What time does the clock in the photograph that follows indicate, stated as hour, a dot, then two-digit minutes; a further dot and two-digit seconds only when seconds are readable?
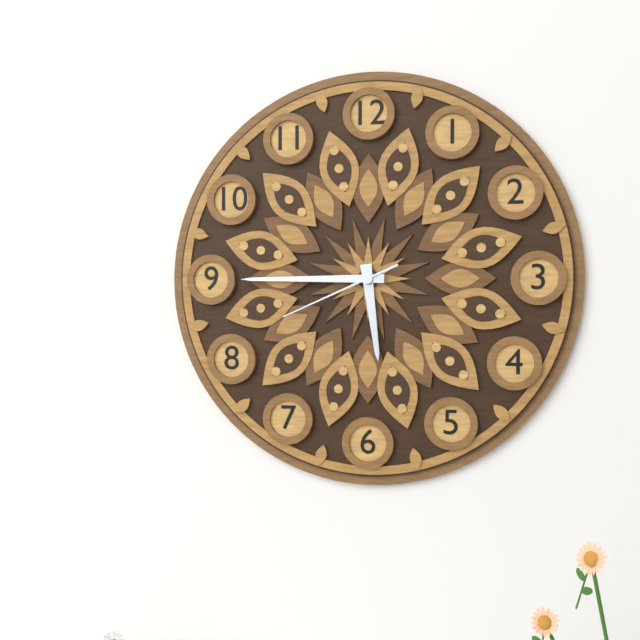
5.45.41
